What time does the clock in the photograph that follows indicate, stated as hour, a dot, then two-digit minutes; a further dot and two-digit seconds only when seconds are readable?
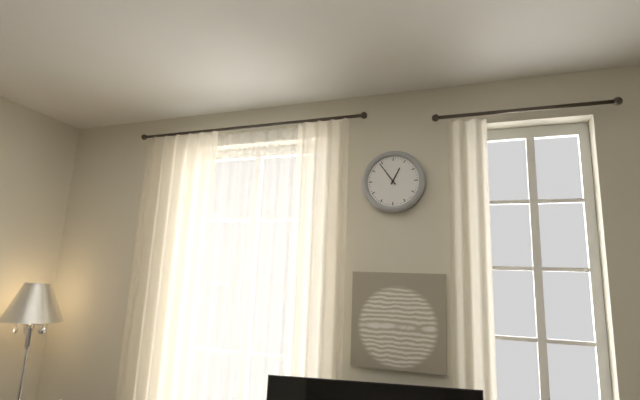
12.54
